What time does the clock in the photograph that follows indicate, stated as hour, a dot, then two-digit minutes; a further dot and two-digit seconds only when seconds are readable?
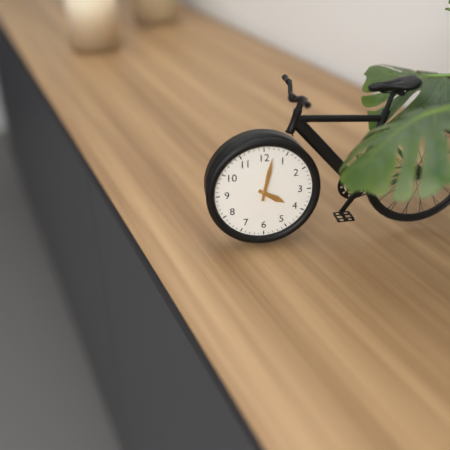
4.02
